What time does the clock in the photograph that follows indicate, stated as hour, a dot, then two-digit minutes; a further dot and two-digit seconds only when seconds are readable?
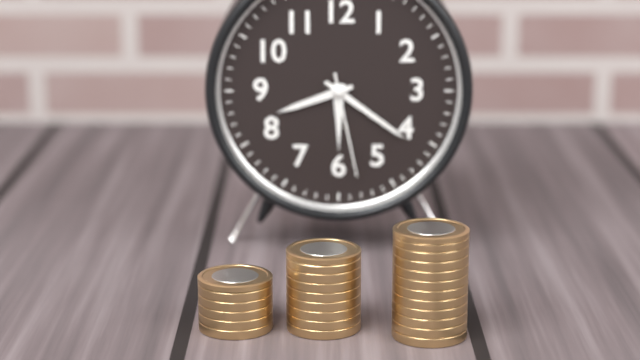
8.21.28
